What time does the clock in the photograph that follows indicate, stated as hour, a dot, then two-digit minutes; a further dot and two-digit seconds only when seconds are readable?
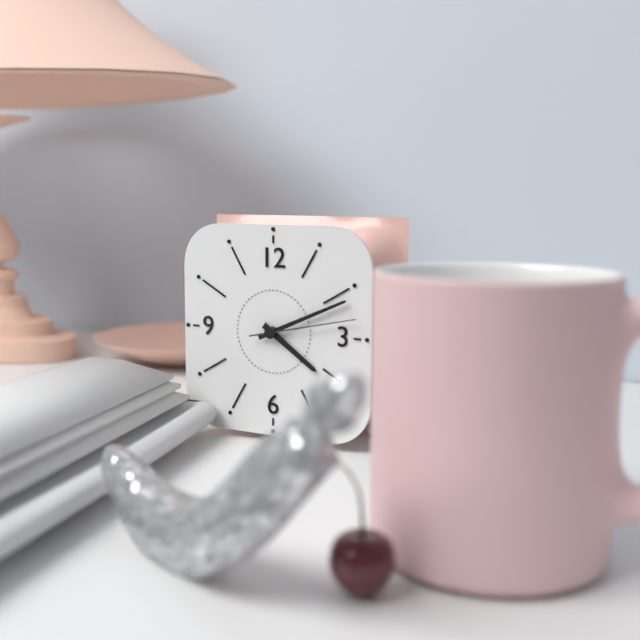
4.11.13
